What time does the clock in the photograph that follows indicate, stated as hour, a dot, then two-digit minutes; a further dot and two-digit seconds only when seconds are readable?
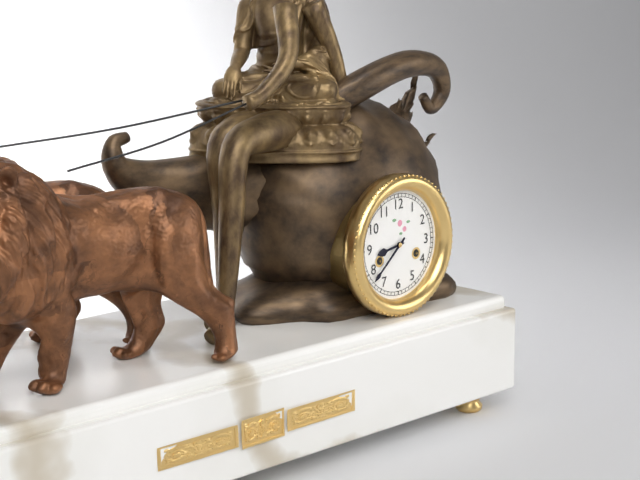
8.38
